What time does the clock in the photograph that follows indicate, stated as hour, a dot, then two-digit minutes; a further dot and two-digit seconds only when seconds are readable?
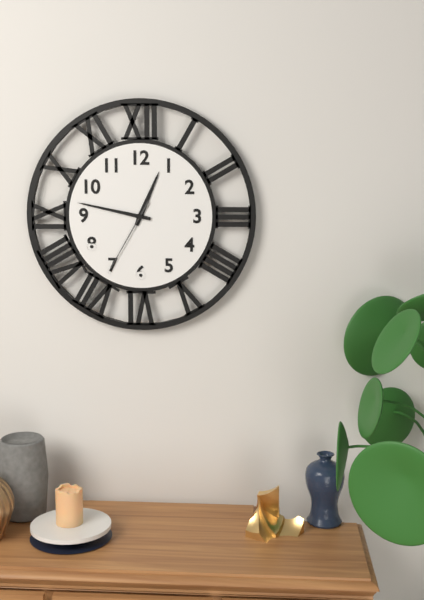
12.47.35
